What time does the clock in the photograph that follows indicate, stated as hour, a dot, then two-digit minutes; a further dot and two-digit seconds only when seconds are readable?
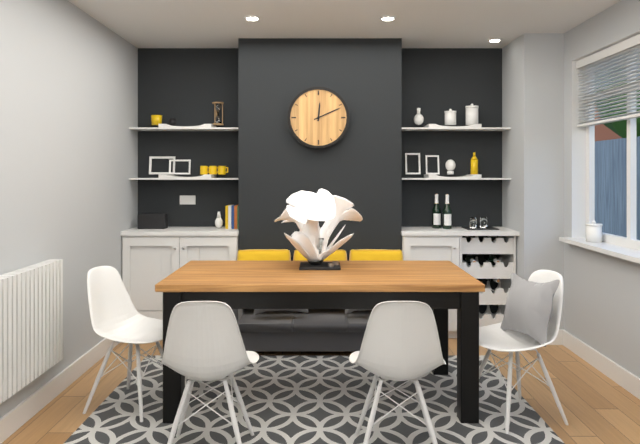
12.11
